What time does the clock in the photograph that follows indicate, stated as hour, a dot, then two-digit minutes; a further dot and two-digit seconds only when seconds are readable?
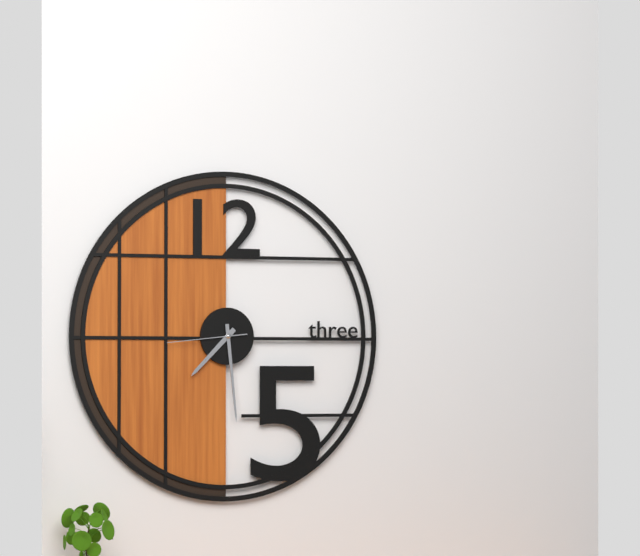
7.29.44
